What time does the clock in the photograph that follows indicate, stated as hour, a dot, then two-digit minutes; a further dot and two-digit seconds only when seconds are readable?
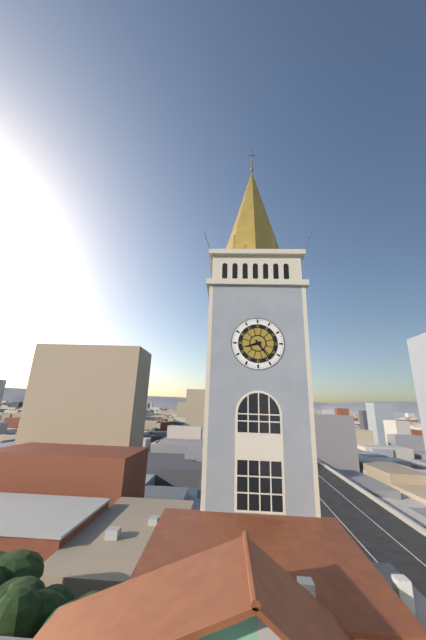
8.24
